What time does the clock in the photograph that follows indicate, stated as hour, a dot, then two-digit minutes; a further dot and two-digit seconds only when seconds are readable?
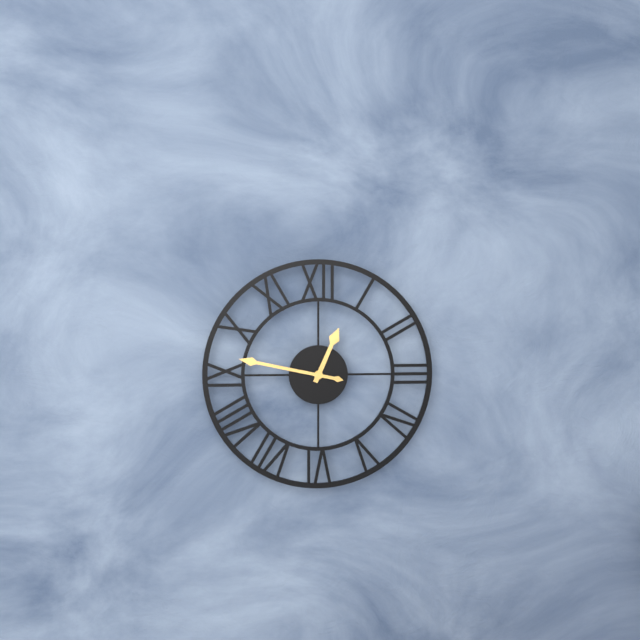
12.47
